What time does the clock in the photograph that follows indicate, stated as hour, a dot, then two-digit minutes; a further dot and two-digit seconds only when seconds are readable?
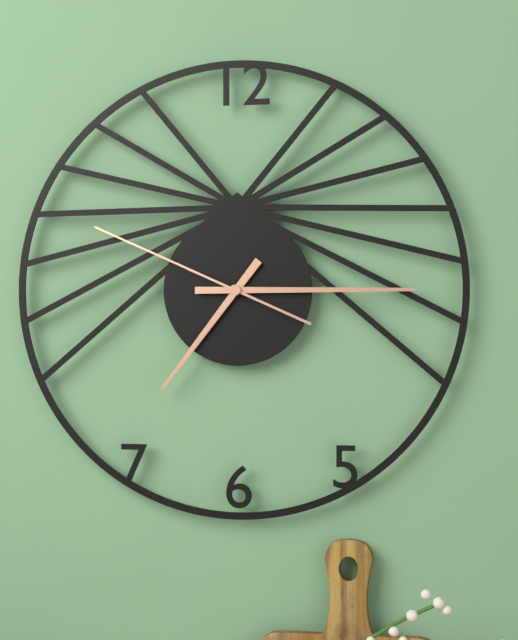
7.15.49
